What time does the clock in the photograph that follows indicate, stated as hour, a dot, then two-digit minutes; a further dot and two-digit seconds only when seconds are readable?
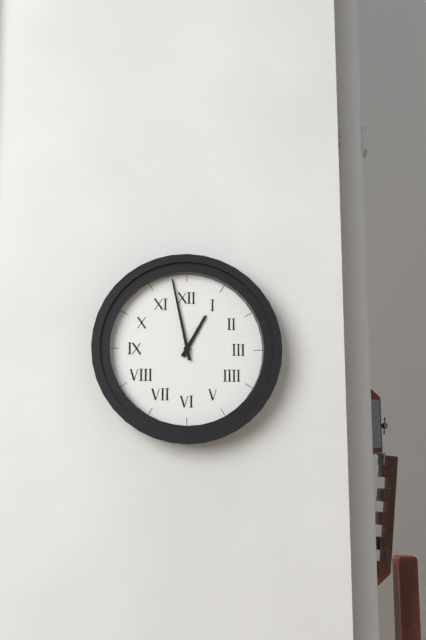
12.58
